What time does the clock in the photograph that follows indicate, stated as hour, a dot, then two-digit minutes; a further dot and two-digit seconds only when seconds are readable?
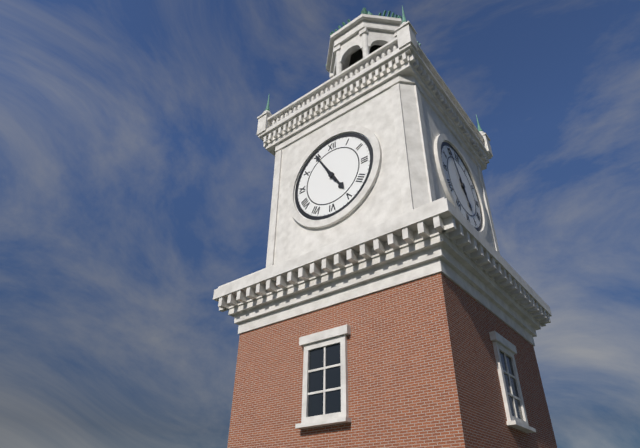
4.55
